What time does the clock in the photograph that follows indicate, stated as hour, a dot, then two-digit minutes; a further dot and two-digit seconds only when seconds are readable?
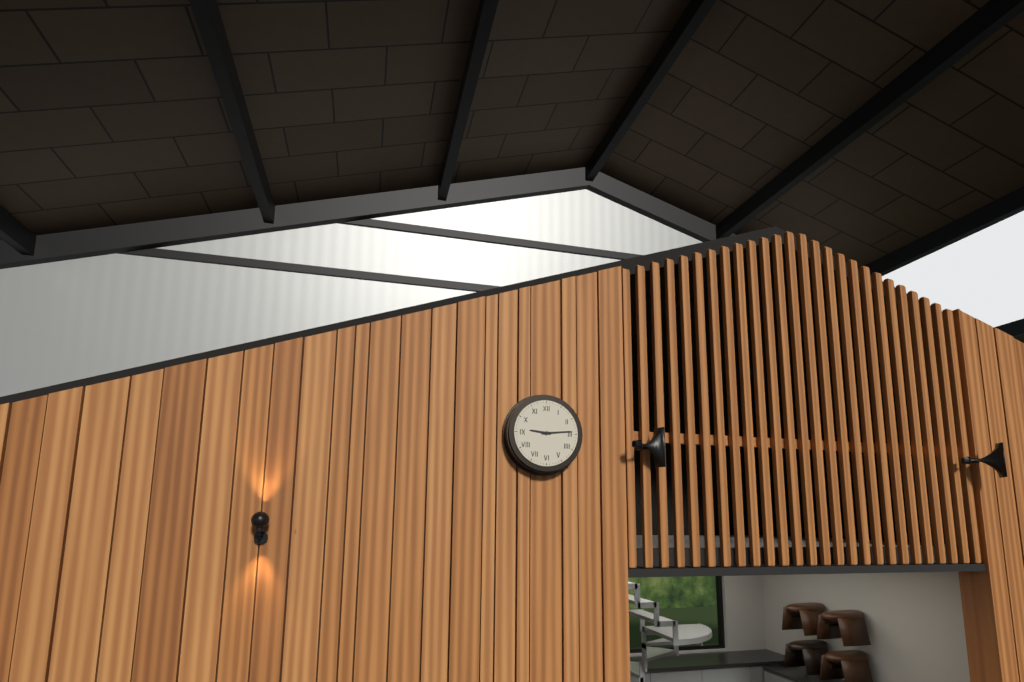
9.14
